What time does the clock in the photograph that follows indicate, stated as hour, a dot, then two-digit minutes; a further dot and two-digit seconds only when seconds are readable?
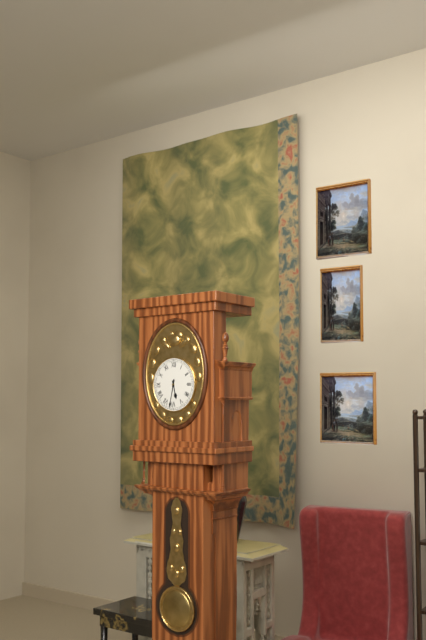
5.32
